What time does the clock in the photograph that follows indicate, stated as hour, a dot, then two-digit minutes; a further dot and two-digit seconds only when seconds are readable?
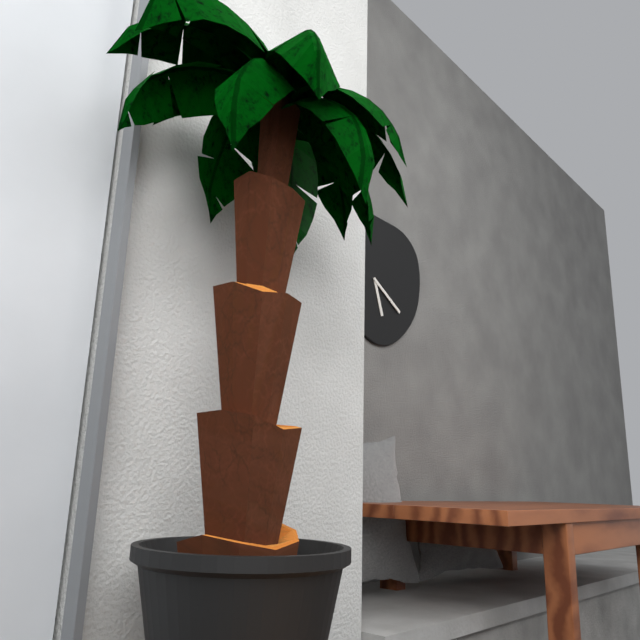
5.20
